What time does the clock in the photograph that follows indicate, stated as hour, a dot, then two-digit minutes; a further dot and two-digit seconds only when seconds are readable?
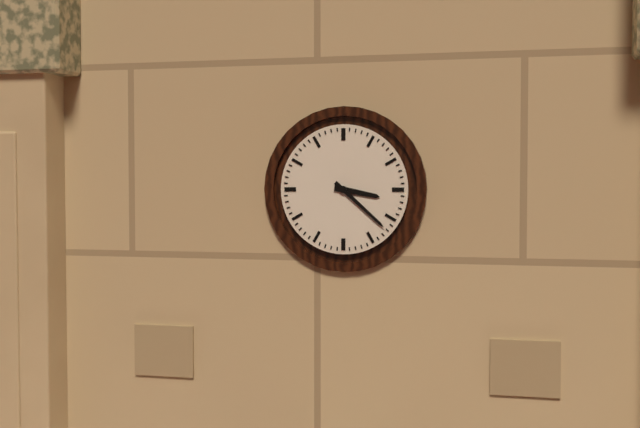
3.22
